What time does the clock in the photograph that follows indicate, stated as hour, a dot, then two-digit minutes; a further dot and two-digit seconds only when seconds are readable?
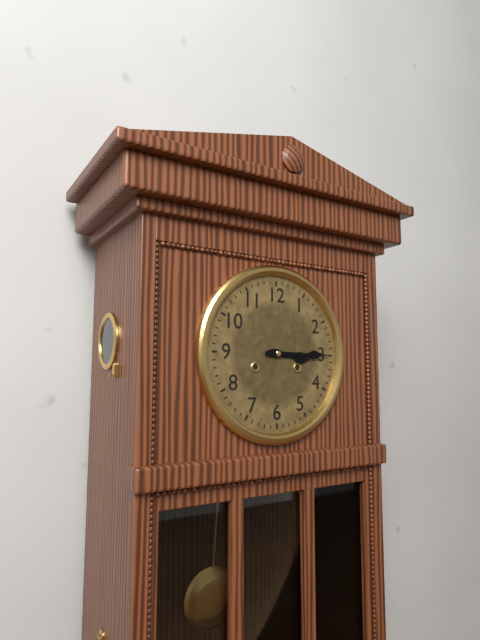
3.15
